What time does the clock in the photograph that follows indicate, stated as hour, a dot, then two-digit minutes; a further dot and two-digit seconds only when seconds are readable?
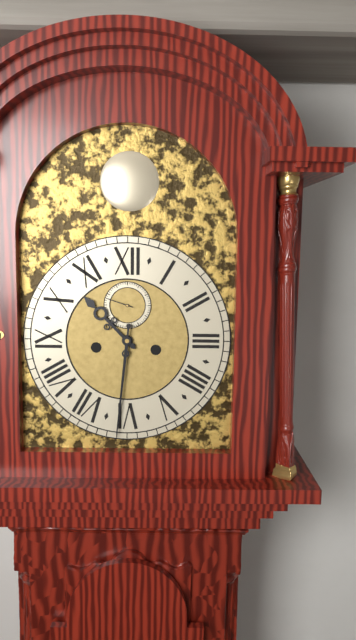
10.31
